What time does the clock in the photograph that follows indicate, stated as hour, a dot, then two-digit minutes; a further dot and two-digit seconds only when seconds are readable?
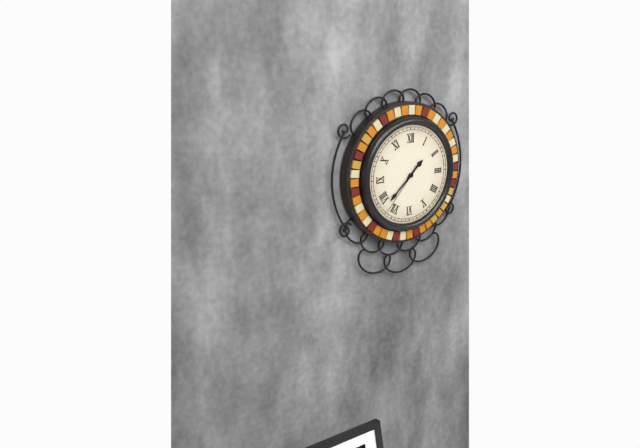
1.38.37
